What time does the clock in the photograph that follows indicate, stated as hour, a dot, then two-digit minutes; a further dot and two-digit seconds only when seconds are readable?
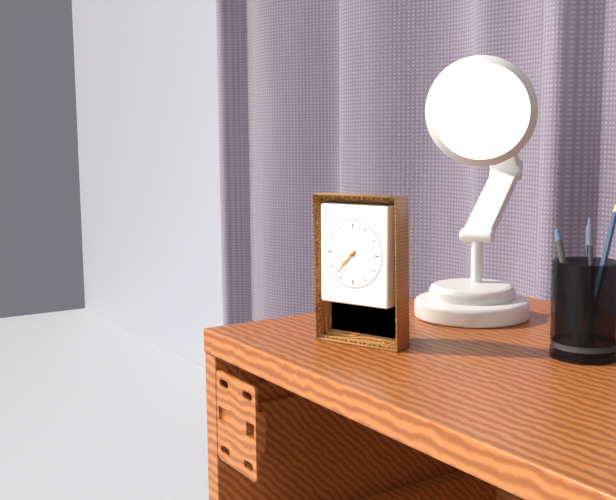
7.37
